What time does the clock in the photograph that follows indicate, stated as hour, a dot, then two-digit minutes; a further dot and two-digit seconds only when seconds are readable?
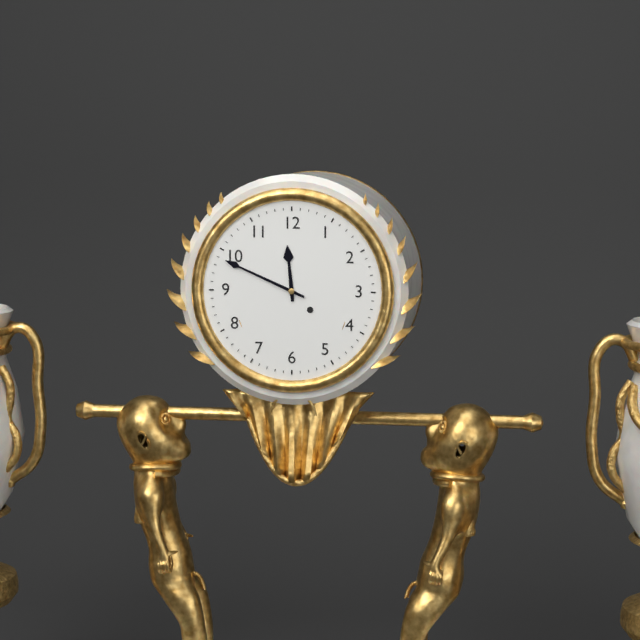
11.49
